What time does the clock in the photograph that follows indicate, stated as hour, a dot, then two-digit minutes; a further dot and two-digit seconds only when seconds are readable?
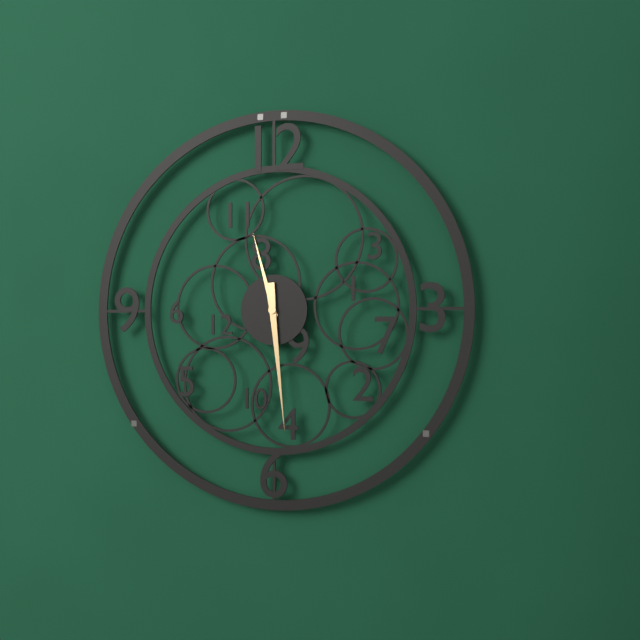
11.29
